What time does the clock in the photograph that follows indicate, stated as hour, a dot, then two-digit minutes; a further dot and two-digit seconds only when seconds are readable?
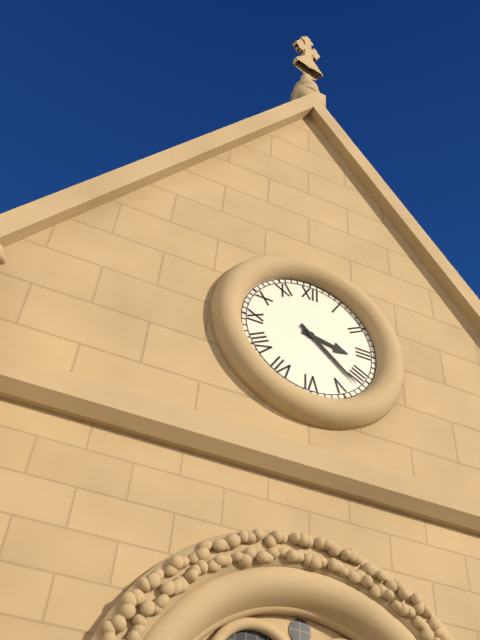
3.22
